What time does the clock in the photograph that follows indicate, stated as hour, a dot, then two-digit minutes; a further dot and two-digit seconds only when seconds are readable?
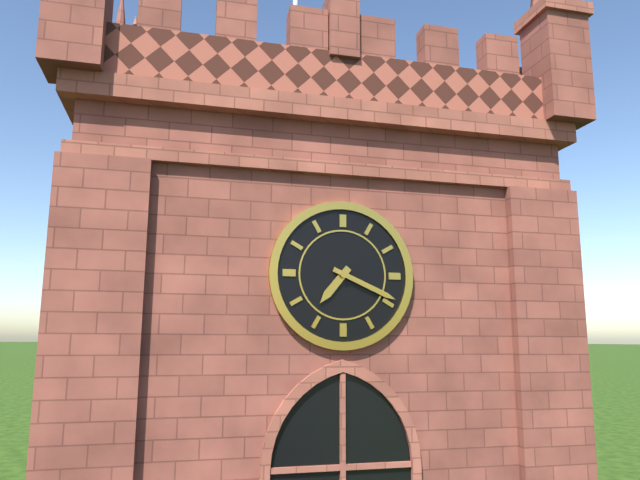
7.19
